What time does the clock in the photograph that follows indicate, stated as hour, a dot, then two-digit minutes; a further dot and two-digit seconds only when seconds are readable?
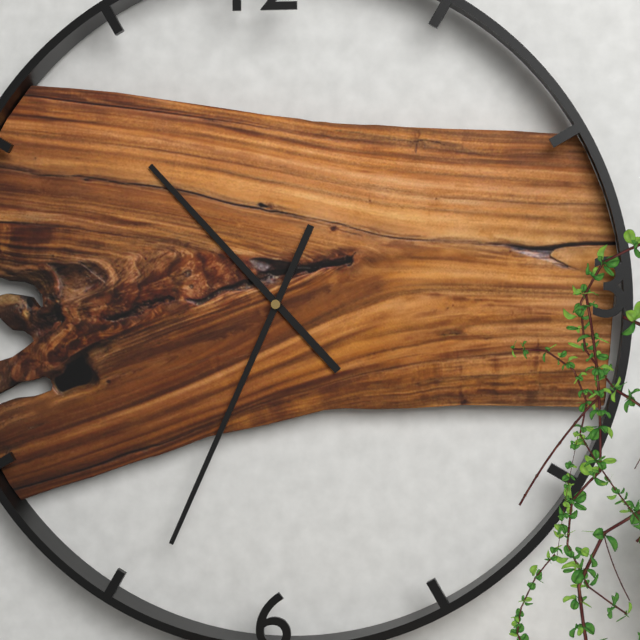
10.34
